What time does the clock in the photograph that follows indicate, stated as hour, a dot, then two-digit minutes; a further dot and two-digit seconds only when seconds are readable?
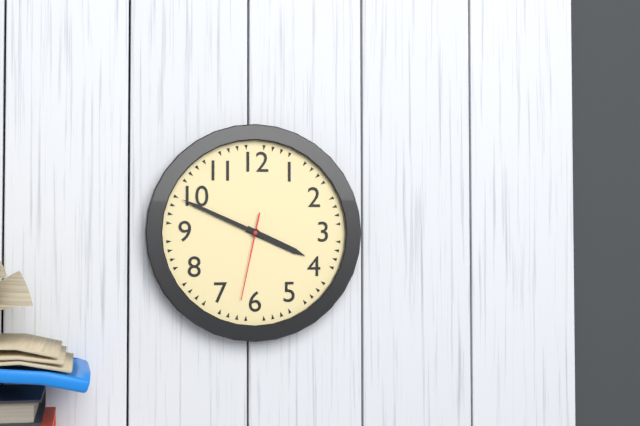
3.49.32
